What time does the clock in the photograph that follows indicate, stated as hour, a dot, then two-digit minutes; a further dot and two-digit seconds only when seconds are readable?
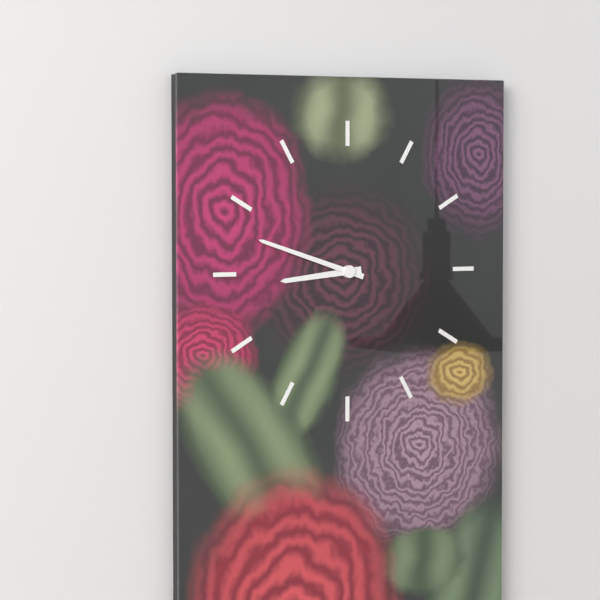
8.48
